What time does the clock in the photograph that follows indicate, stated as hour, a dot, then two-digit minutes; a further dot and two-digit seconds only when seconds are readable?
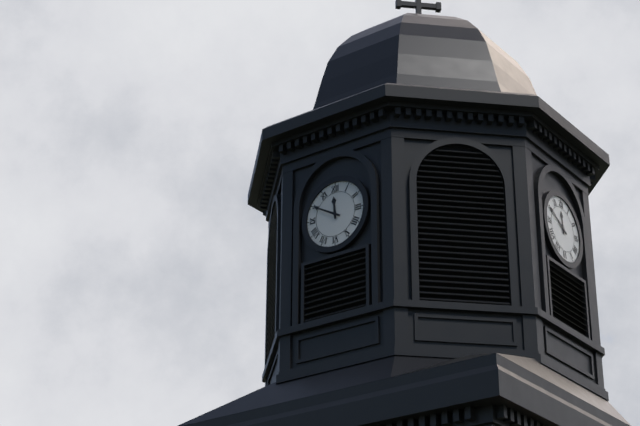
11.50
